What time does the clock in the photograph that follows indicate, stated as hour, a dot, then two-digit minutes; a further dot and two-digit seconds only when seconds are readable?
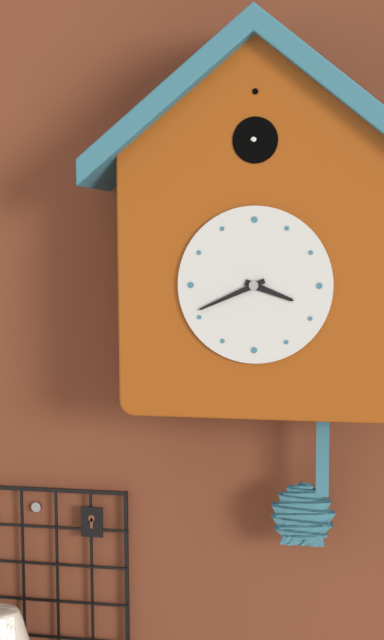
3.41
